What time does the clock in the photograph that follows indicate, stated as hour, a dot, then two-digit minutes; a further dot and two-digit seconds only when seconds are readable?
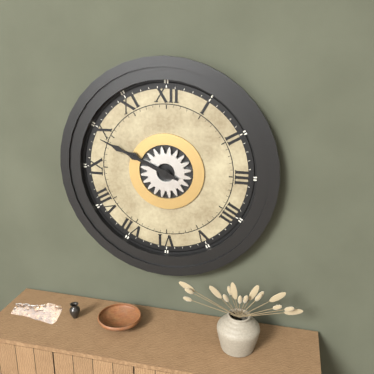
9.49
